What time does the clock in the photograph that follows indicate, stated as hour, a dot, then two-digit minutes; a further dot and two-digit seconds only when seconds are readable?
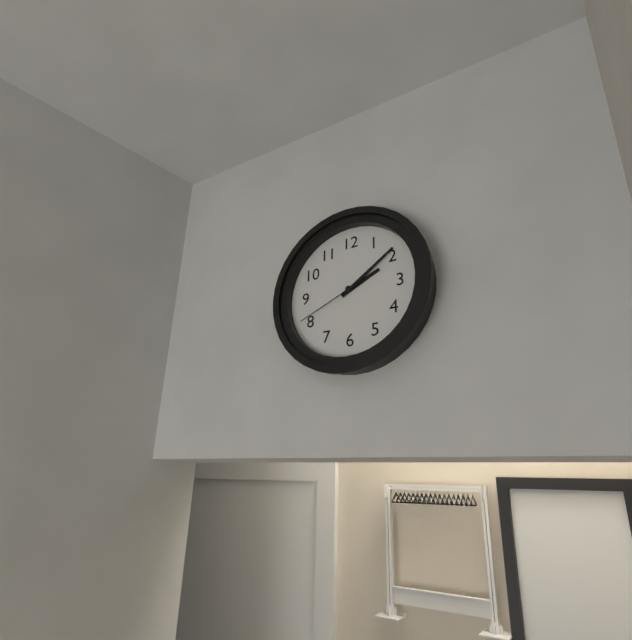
2.09.41
